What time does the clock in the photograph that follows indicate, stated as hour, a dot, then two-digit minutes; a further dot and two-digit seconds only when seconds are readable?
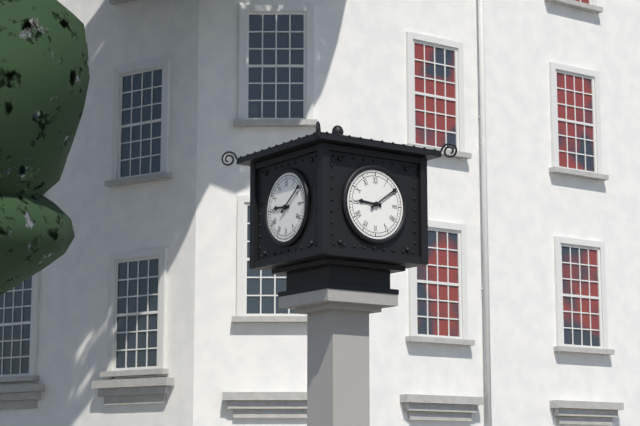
9.09
